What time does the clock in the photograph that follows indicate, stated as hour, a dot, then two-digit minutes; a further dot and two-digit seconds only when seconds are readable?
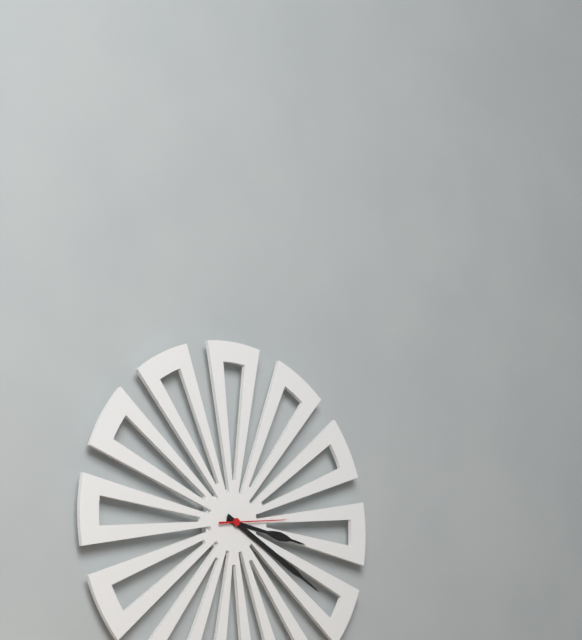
3.20.14
